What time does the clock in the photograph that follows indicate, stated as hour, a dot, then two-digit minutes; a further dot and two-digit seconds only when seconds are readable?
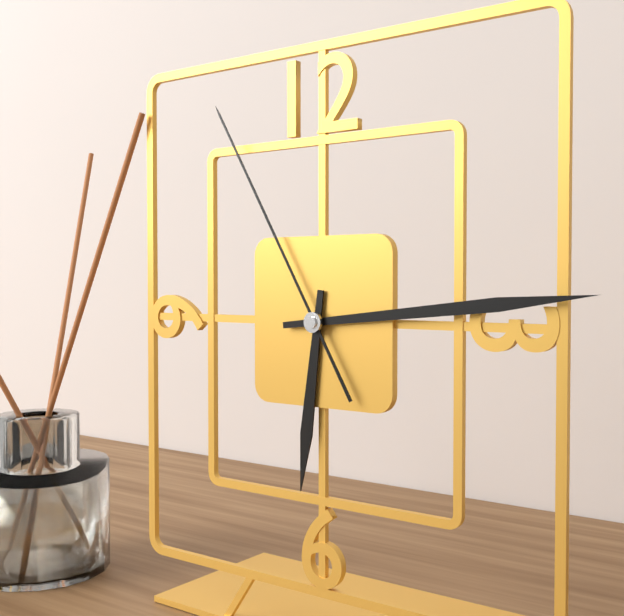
6.14.55
